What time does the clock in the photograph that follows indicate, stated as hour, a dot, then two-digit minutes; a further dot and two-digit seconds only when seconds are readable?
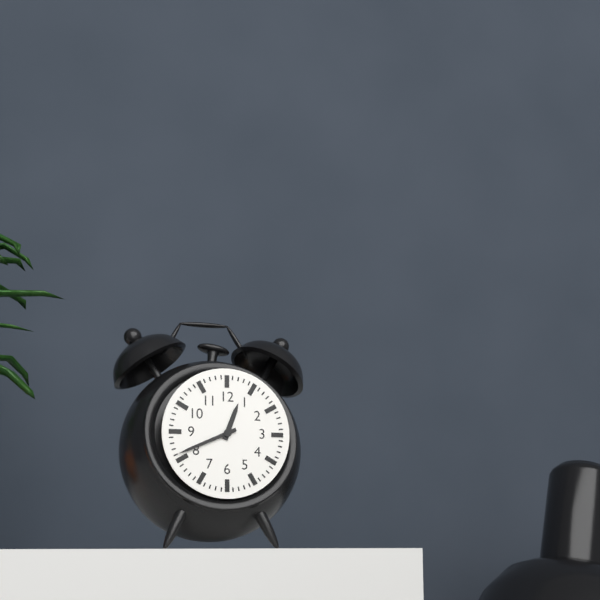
12.41
